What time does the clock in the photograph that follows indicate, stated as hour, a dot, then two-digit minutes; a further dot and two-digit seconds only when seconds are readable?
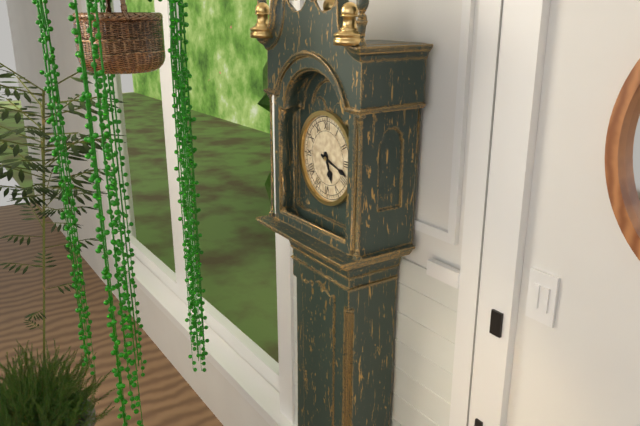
5.18
